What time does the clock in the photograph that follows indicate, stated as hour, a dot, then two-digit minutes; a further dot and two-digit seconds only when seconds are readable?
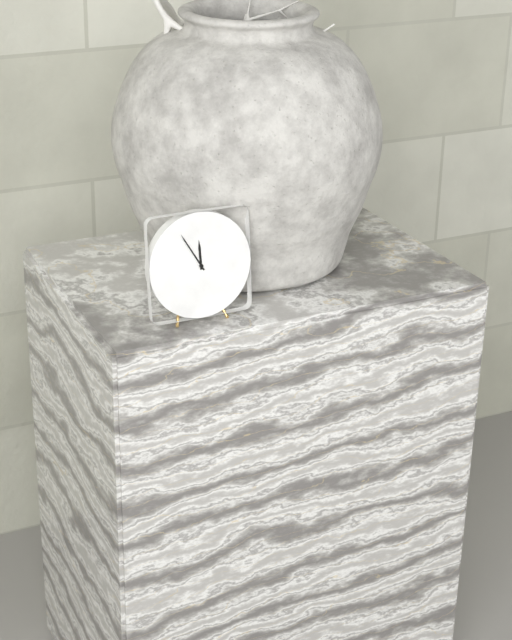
11.55
